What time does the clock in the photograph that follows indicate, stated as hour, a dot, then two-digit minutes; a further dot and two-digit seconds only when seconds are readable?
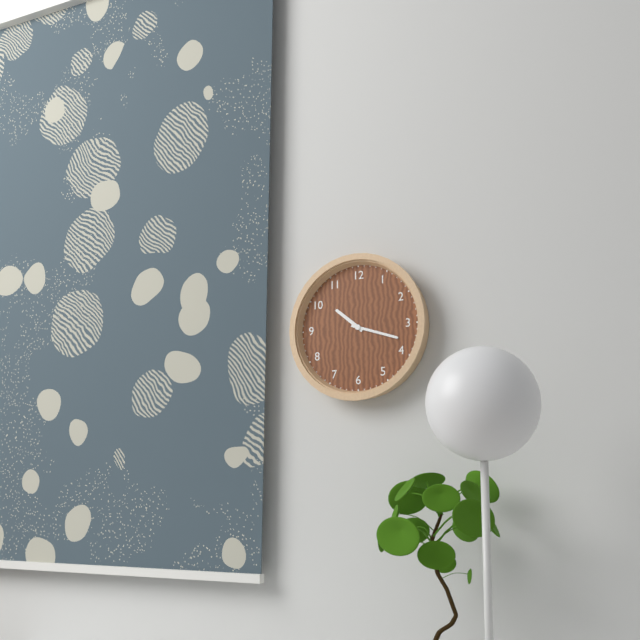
10.18
